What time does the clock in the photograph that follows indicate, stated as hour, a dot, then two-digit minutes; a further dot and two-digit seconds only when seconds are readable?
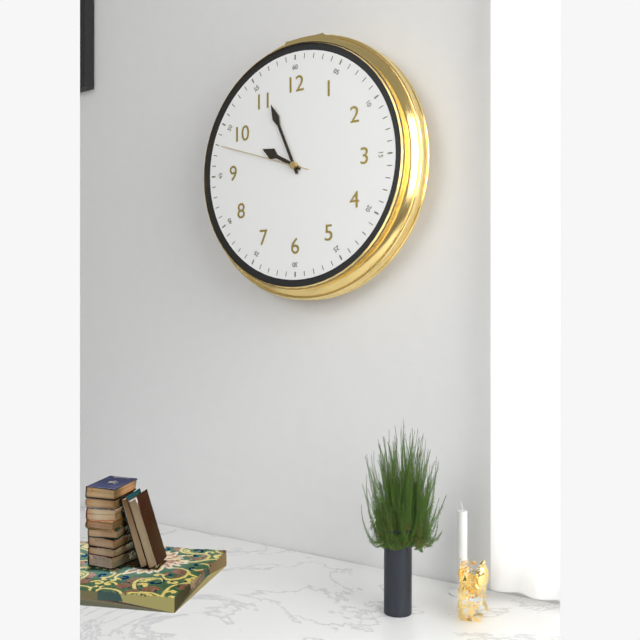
9.56.48
